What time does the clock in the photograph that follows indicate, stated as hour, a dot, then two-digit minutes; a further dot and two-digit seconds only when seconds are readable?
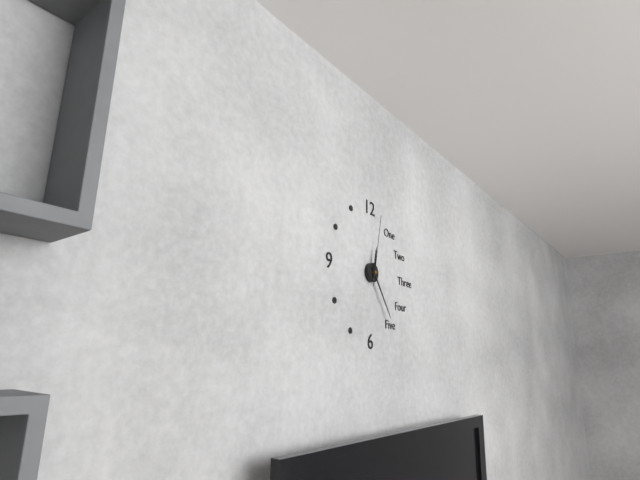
12.24.02
